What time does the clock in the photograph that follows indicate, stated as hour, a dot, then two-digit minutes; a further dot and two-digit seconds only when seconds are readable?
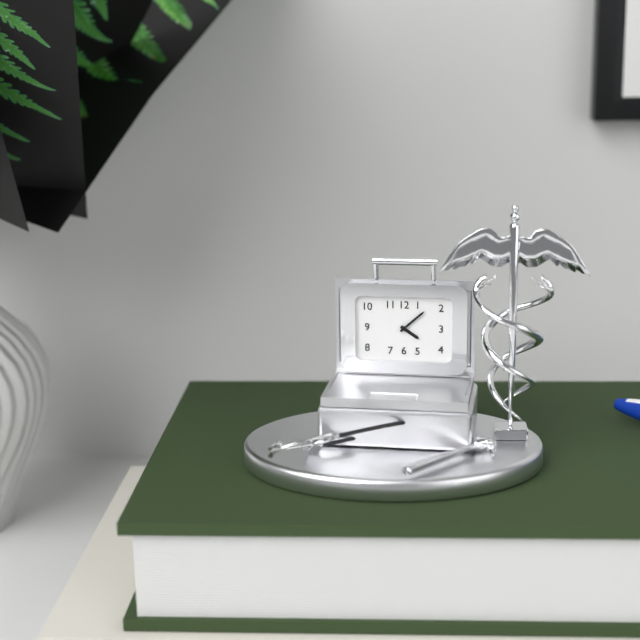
4.08
